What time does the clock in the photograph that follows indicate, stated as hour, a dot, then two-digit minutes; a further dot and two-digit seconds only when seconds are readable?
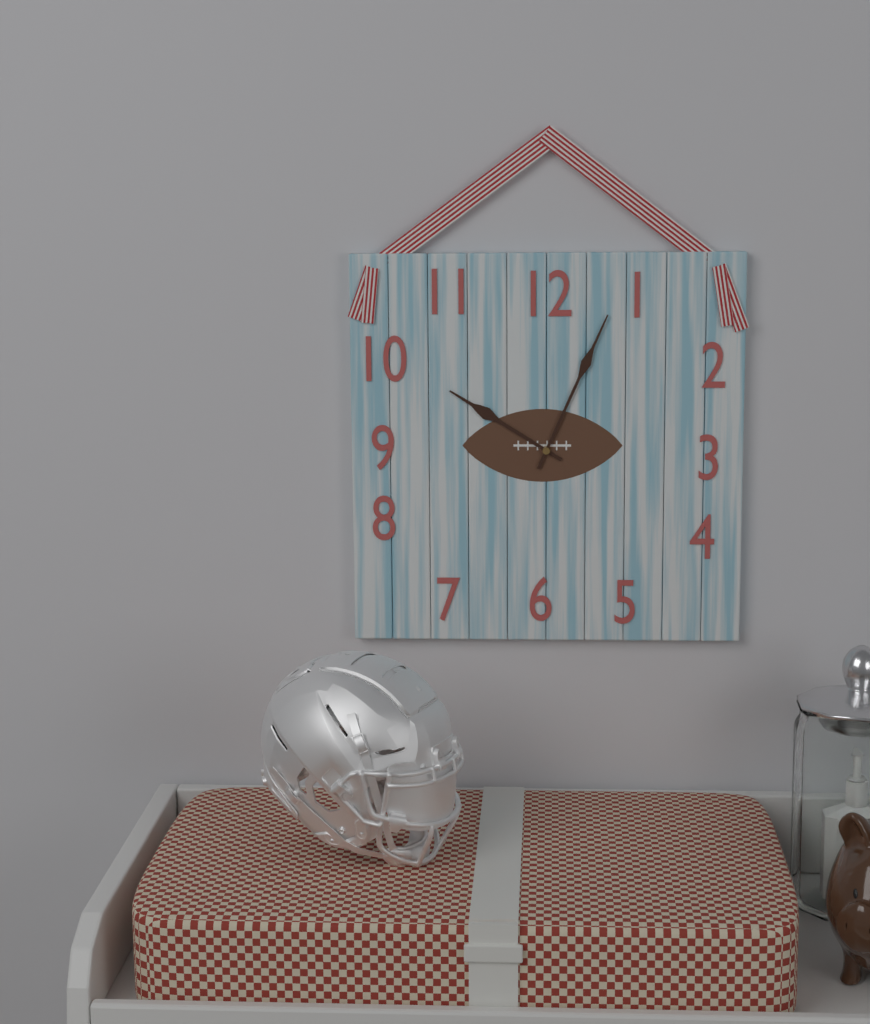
10.04
